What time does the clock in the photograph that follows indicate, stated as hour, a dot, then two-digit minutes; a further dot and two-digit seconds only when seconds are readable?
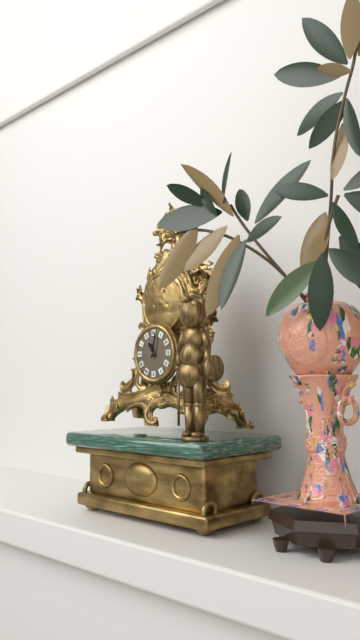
11.02
